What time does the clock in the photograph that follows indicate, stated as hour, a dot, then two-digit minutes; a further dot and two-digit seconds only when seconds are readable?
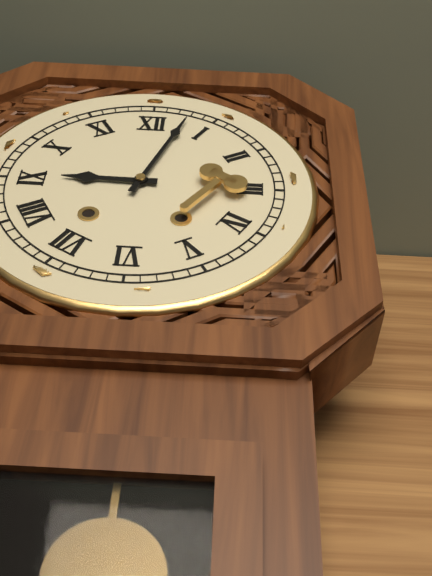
9.03
